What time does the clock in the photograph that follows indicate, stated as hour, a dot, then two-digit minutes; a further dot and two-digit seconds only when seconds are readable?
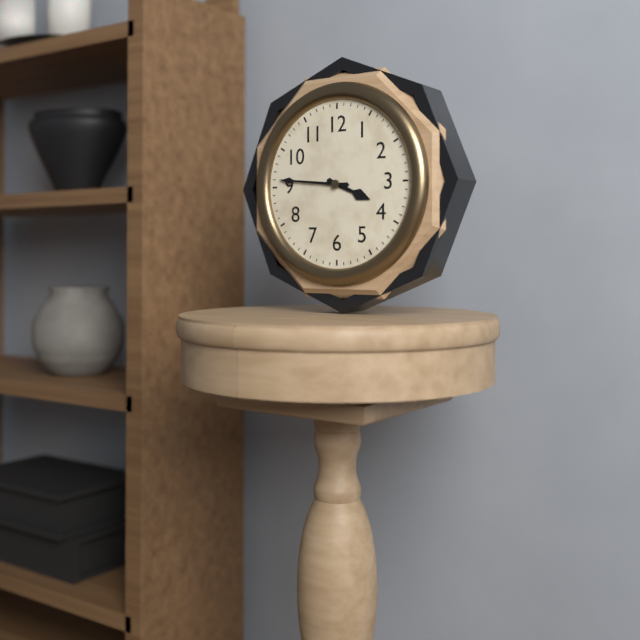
3.46
